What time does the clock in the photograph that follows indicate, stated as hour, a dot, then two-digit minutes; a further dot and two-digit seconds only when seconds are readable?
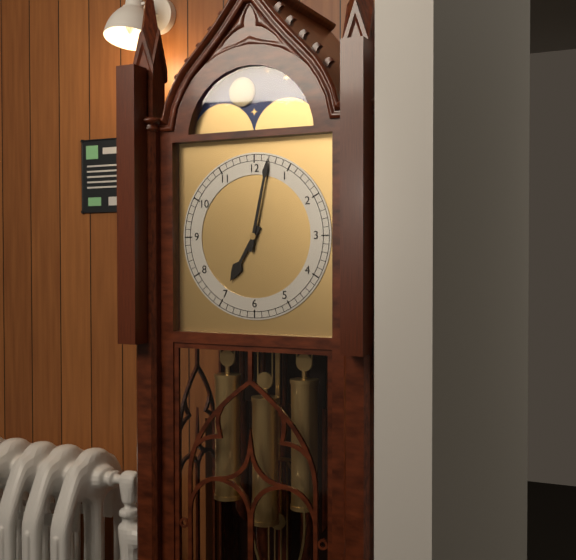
7.02
